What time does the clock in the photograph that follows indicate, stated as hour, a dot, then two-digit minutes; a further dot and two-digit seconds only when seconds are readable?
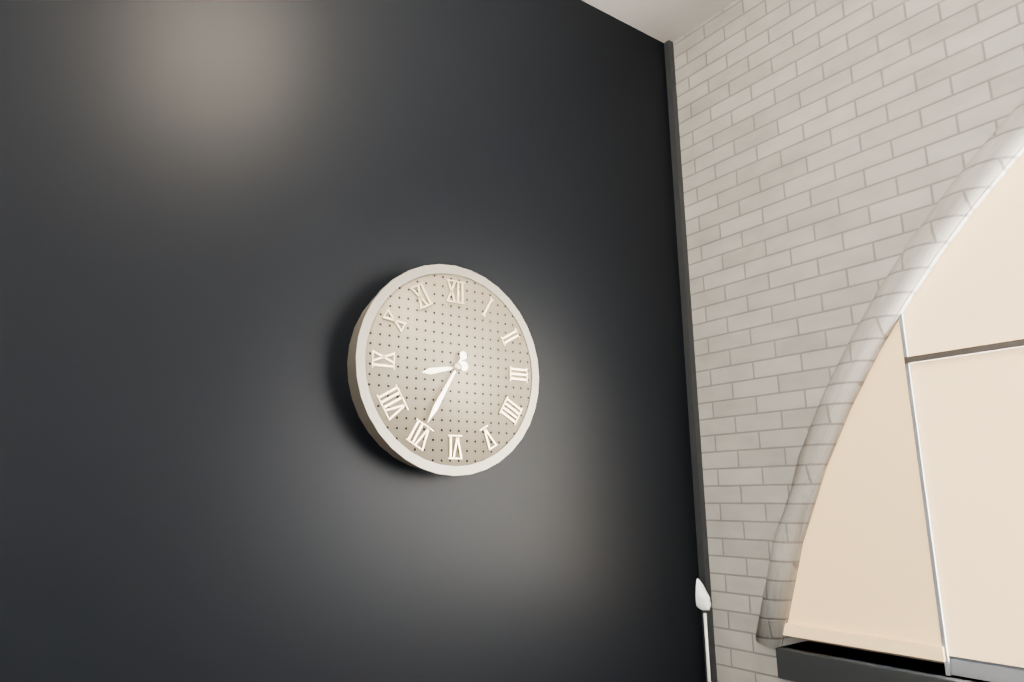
8.35
